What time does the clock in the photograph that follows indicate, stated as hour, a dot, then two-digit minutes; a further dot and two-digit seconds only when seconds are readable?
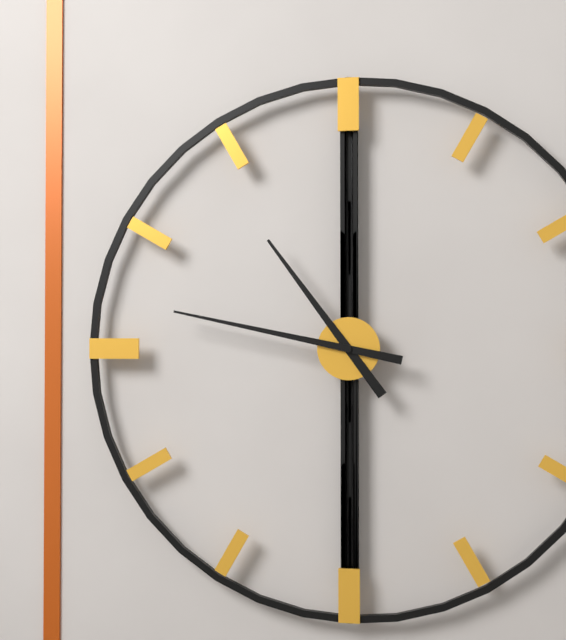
10.47
